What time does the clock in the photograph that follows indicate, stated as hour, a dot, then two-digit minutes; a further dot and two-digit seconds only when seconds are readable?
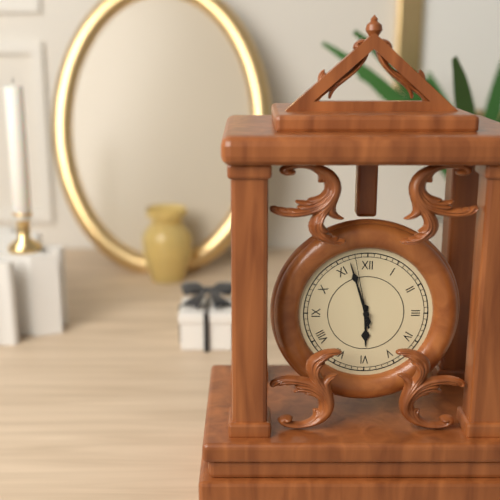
5.57.58
